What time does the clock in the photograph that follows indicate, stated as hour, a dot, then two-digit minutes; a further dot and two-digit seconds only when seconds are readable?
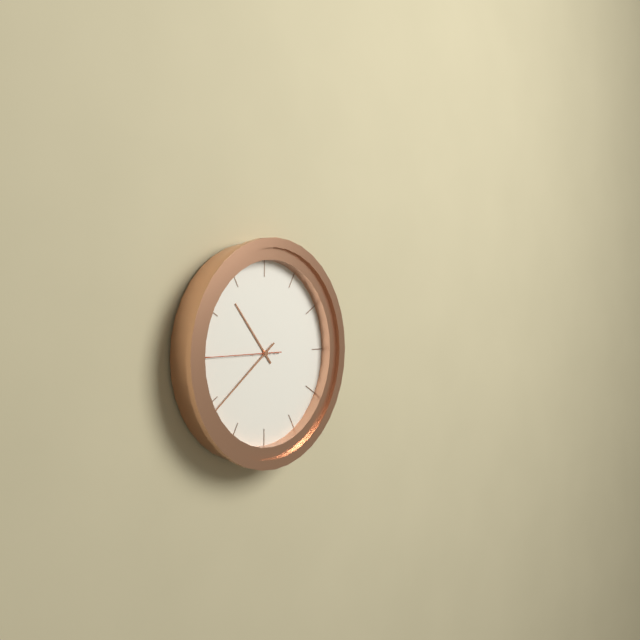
10.39.45
